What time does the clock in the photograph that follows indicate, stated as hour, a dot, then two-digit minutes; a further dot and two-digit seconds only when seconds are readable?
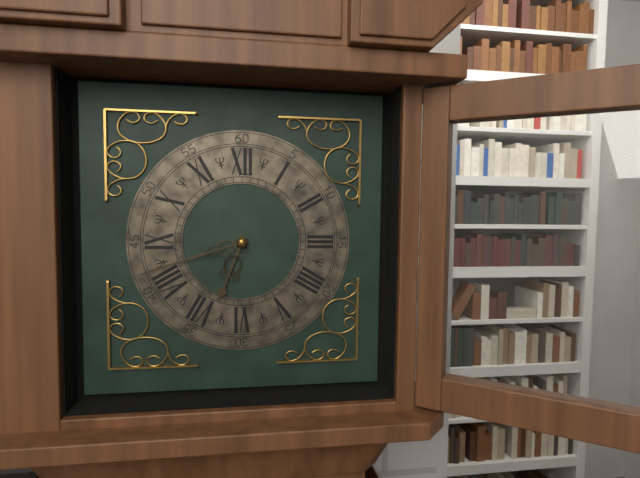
6.42
